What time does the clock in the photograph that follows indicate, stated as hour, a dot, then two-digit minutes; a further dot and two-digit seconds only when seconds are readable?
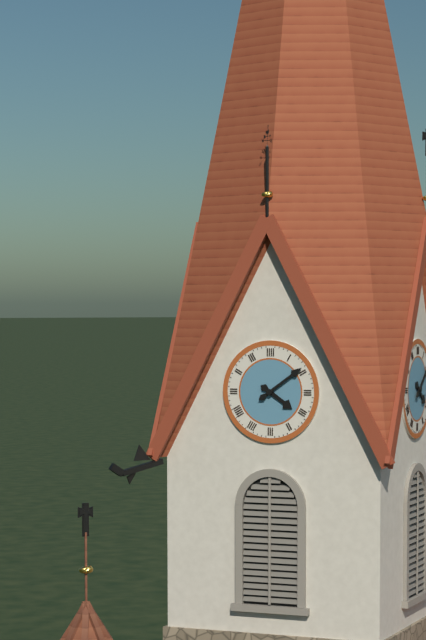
4.09
